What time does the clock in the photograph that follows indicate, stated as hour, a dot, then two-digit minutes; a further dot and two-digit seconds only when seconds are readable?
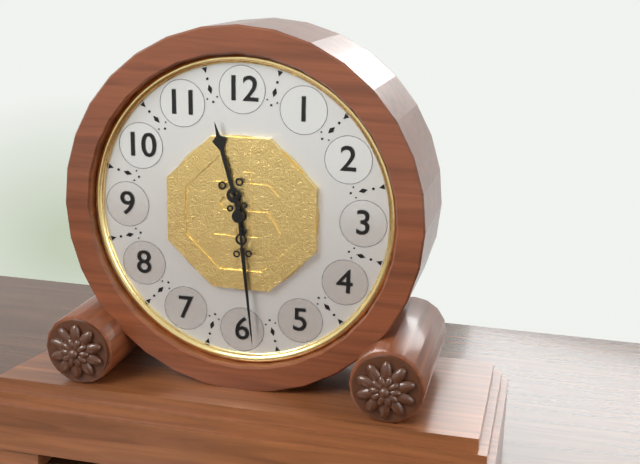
11.29
